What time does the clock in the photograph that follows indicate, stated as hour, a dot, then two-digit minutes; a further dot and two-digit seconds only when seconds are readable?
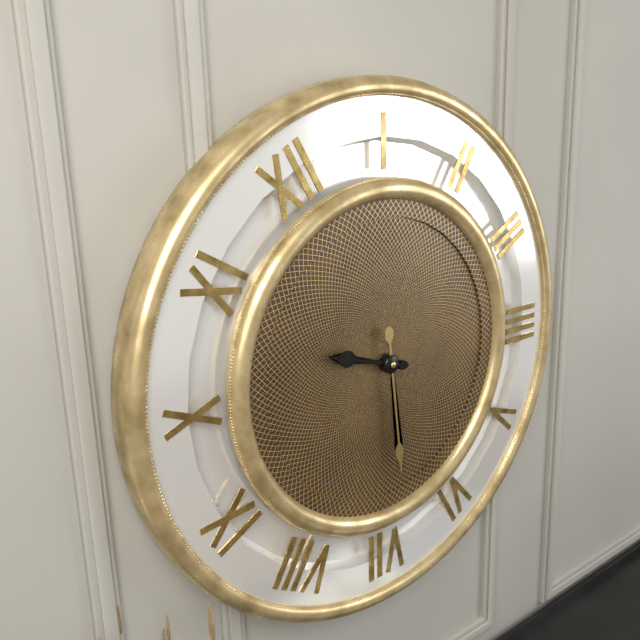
10.34
